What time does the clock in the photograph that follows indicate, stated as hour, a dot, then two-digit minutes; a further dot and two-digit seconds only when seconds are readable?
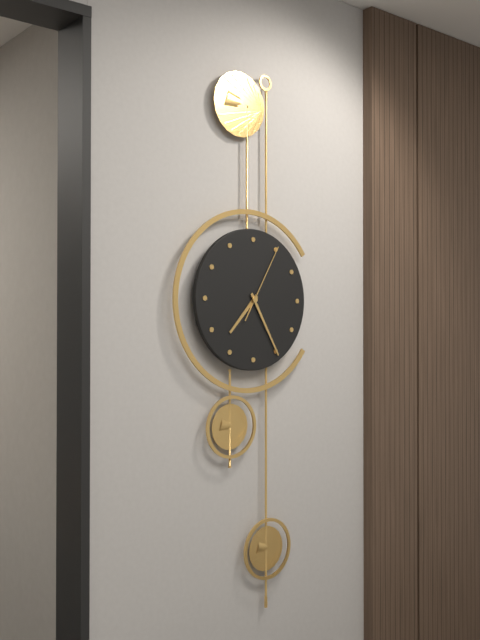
7.25.05
